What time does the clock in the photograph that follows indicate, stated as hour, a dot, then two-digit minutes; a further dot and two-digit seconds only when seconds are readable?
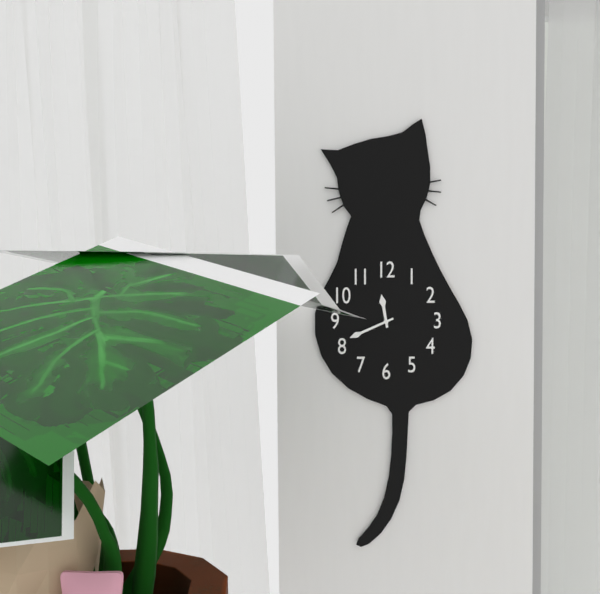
11.41
